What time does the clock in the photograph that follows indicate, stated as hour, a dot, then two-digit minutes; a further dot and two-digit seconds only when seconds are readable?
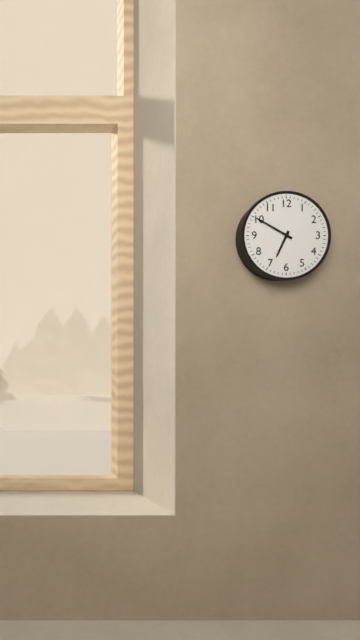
6.50
